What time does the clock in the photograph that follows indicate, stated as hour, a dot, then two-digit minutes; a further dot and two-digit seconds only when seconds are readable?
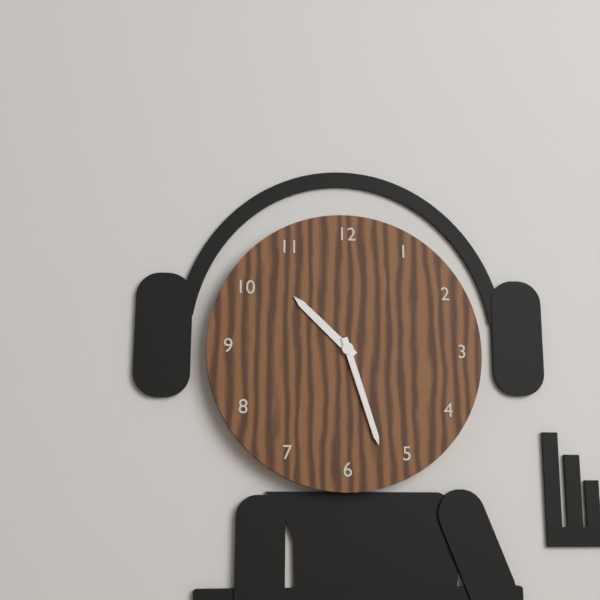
10.27
